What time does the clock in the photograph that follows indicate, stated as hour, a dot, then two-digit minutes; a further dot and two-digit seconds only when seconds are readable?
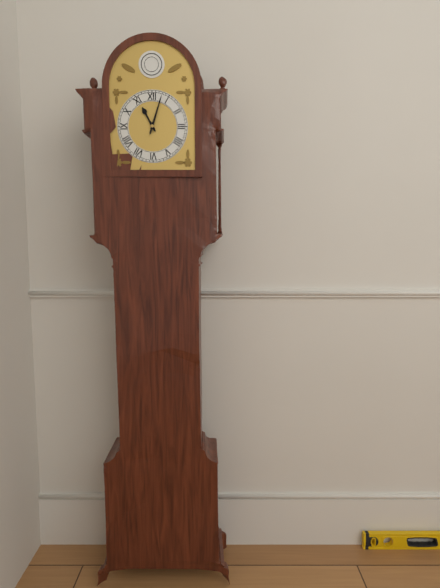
11.03
